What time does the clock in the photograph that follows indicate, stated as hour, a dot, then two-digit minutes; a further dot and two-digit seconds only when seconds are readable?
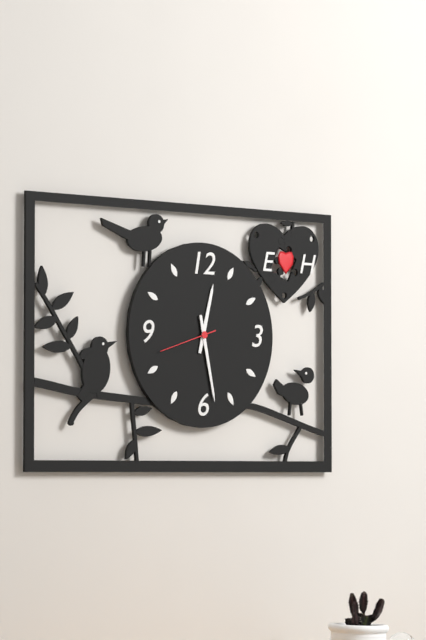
12.28.42
